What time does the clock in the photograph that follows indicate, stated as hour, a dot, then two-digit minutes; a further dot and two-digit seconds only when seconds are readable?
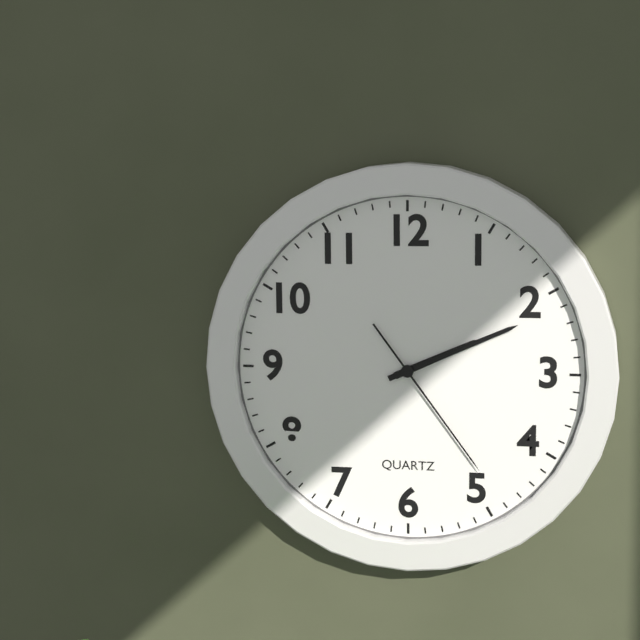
2.11.24
